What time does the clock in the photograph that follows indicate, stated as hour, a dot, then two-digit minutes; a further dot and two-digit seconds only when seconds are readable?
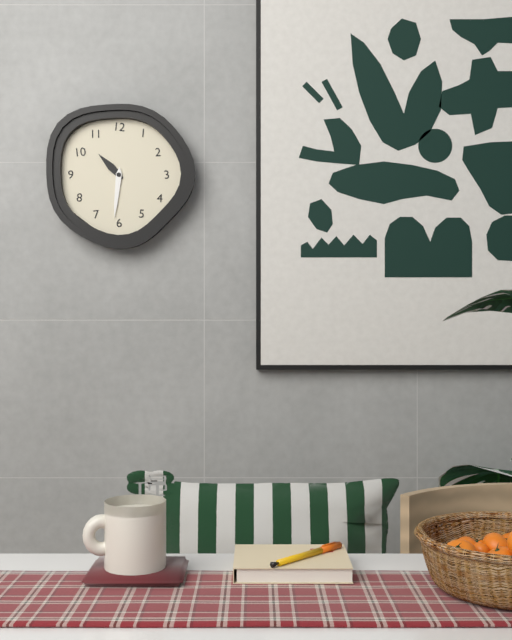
10.31
